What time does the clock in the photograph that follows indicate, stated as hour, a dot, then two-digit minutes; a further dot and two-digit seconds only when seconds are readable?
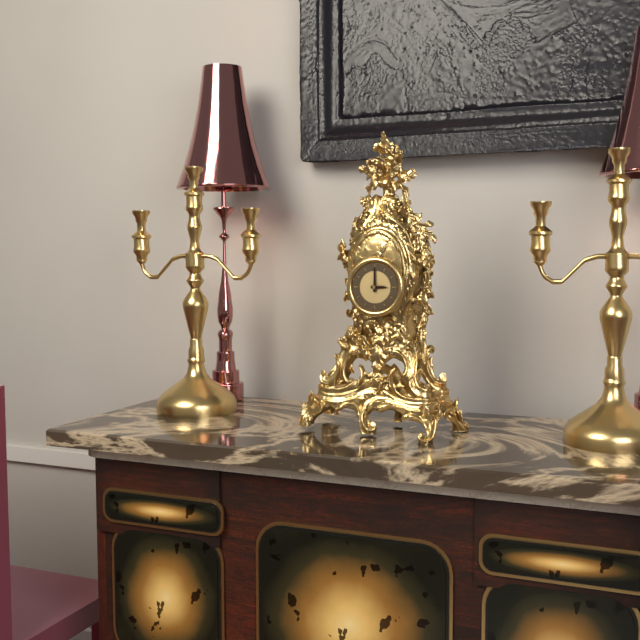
3.00
